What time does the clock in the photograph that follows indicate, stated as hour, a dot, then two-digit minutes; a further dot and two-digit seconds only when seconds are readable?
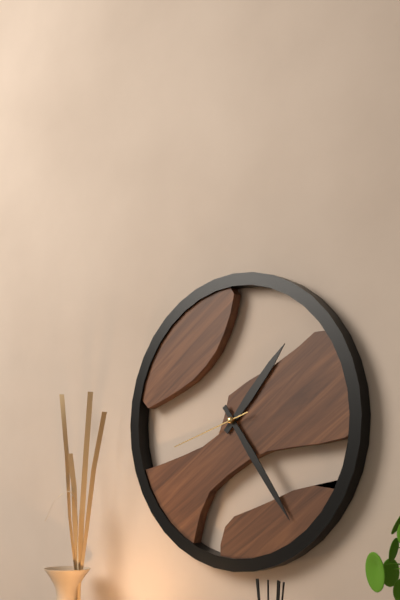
1.24.42
